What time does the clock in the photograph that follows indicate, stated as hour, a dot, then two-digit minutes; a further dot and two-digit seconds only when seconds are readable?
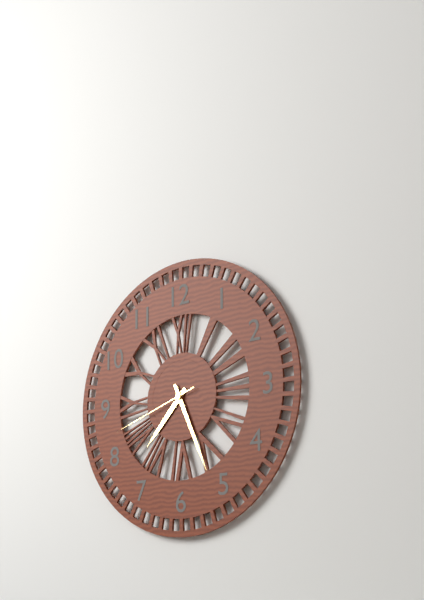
7.26.42
